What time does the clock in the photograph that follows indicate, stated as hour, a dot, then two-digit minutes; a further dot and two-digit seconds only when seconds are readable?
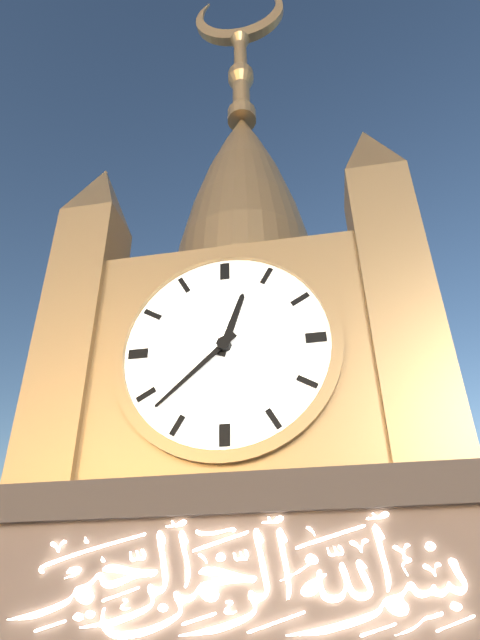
12.38
